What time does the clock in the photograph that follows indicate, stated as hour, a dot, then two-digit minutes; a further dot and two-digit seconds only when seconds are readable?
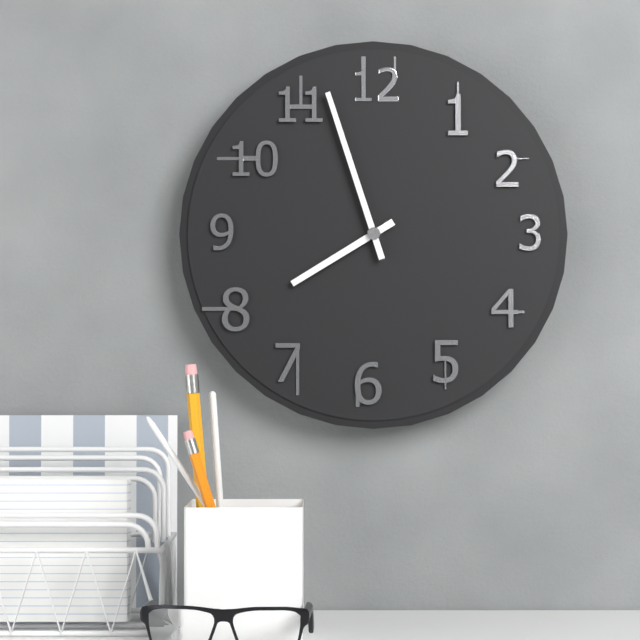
7.57
